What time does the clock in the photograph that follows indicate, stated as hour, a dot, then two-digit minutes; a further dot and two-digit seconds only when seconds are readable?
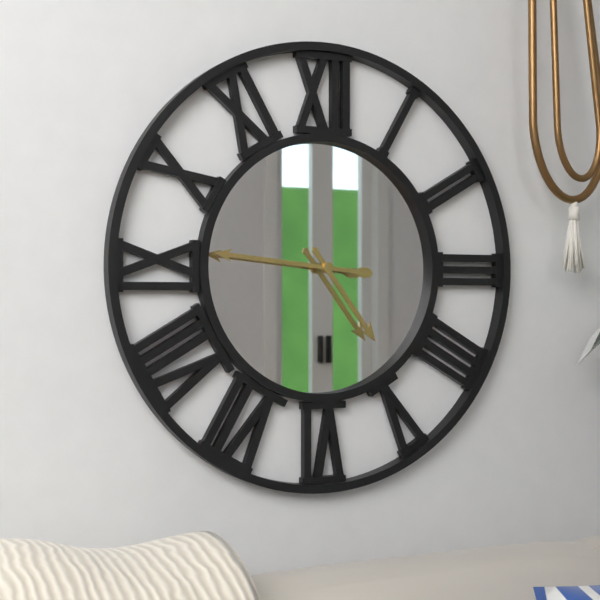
4.46
